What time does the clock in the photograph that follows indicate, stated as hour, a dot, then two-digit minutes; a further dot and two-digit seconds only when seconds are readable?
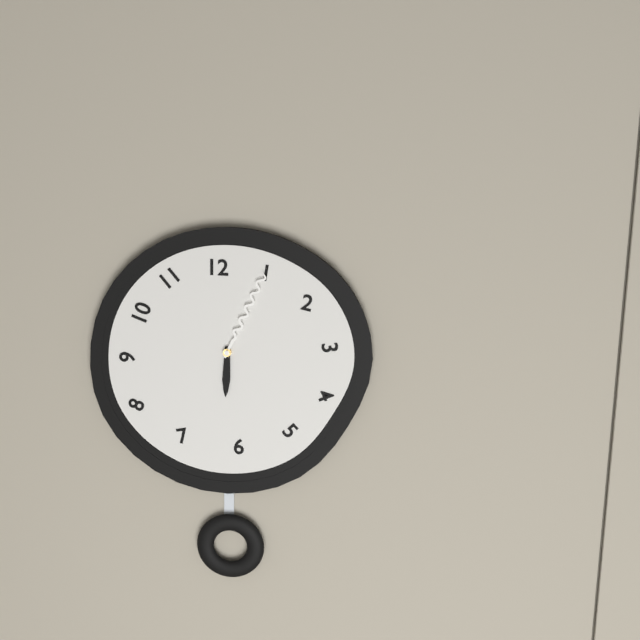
6.04
